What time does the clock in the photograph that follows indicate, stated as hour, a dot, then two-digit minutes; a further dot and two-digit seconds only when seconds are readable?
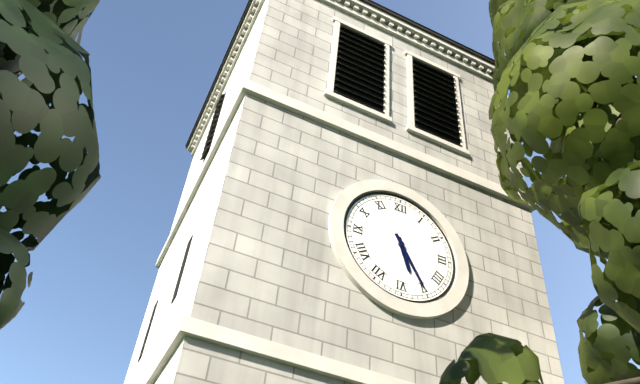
5.25
